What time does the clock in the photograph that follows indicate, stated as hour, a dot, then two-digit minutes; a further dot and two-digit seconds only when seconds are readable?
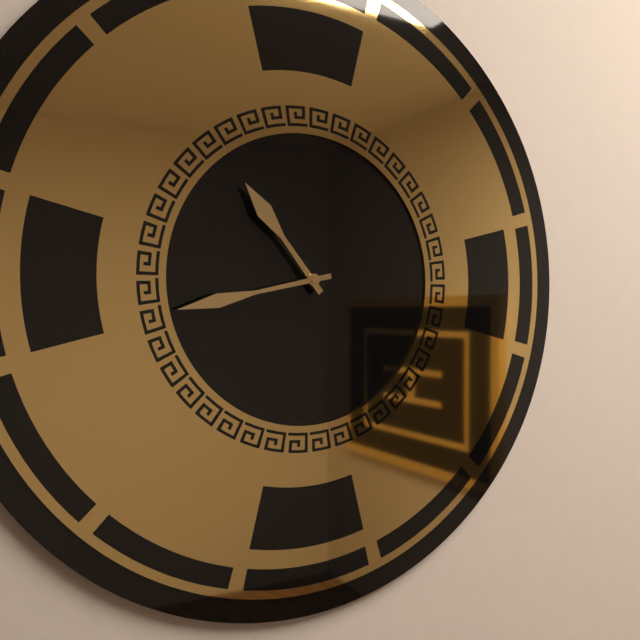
10.43
